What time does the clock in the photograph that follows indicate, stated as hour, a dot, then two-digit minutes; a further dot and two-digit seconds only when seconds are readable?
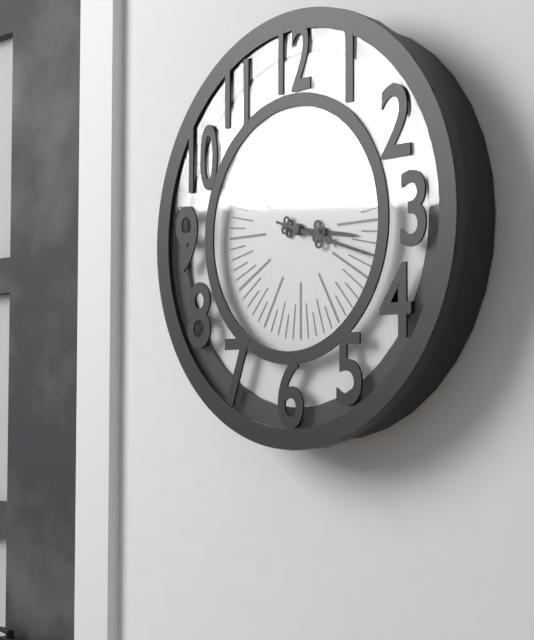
3.18
